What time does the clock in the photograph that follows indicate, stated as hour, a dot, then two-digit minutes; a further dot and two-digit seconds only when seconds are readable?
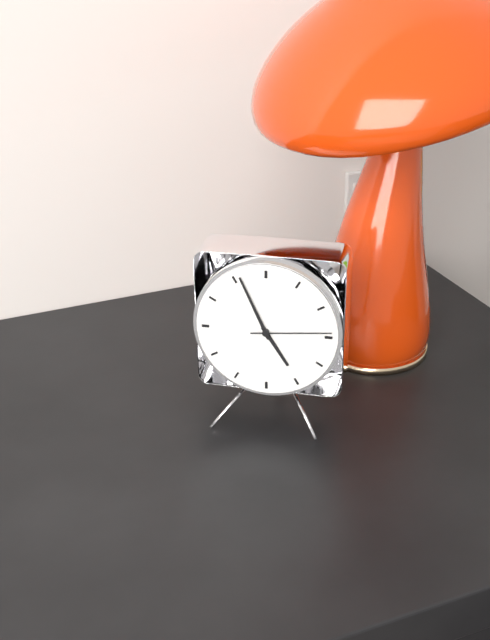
4.56.14
